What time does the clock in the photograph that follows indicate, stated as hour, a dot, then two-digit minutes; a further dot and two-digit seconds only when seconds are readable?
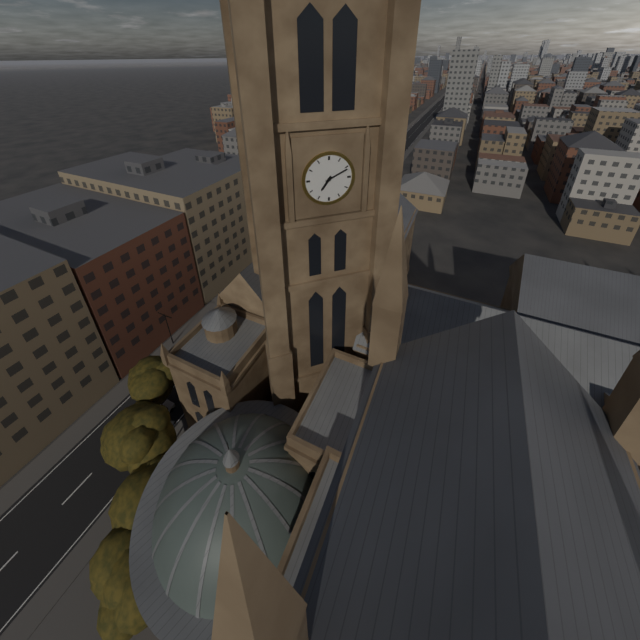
7.11
